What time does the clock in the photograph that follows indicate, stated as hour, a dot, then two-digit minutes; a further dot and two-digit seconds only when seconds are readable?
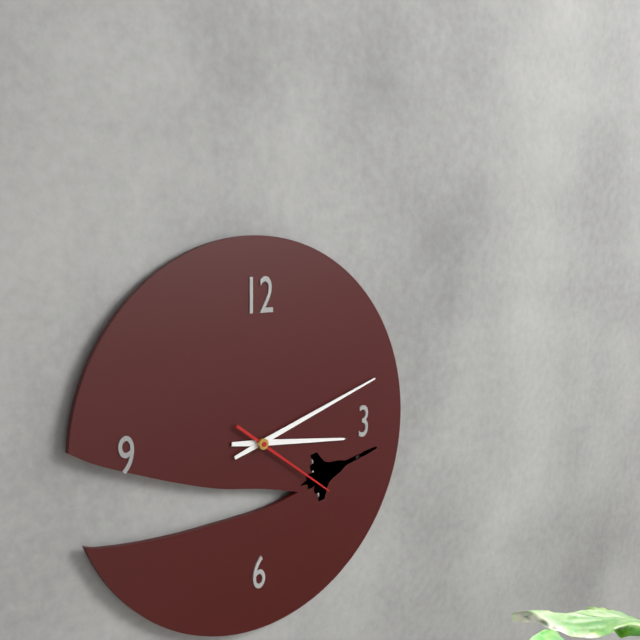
3.12.21
